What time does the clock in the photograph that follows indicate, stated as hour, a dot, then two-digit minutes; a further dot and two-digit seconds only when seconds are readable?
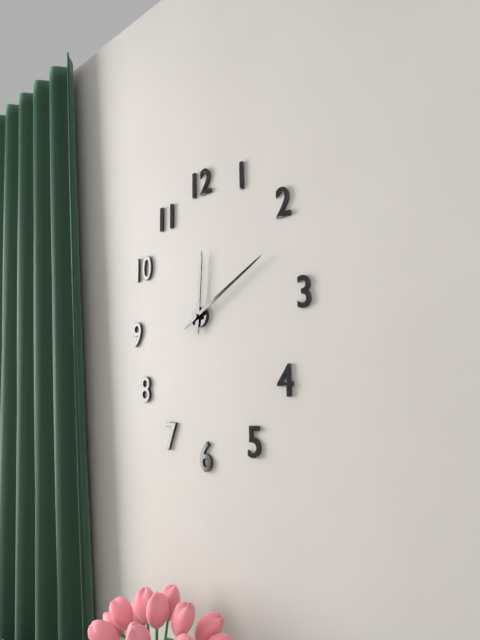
12.10
